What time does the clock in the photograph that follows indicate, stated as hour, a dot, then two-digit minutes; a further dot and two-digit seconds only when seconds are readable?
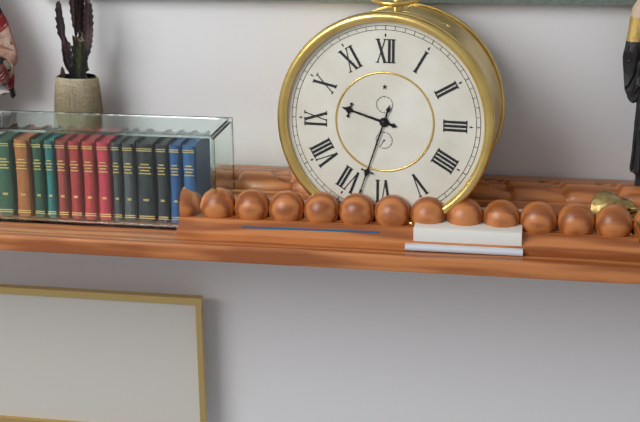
9.33
